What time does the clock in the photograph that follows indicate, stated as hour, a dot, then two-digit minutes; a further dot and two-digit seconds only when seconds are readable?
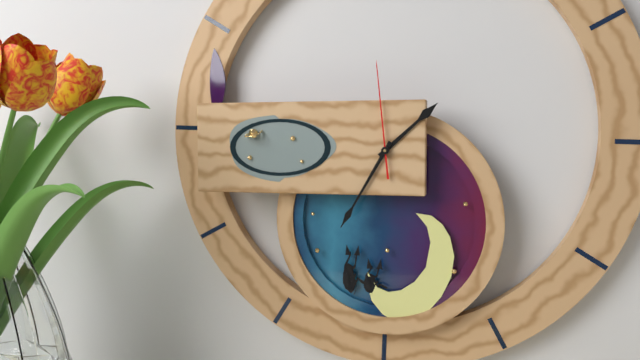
1.35.59
